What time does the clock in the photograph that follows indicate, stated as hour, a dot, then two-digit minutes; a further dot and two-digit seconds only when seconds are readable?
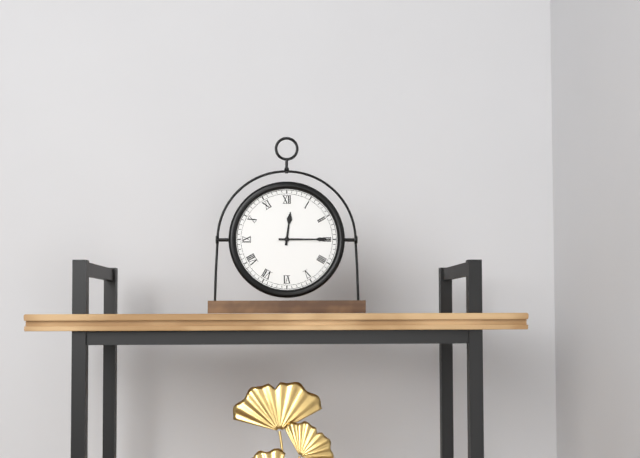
12.15
